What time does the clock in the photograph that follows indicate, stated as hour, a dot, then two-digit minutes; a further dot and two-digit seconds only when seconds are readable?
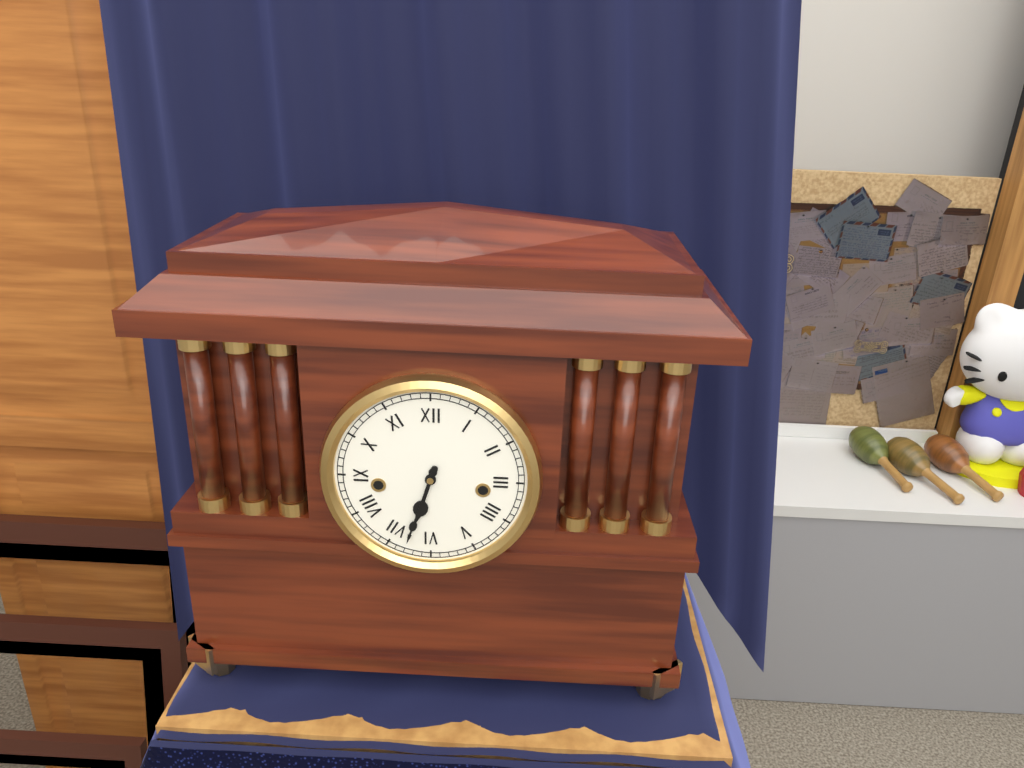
6.33
